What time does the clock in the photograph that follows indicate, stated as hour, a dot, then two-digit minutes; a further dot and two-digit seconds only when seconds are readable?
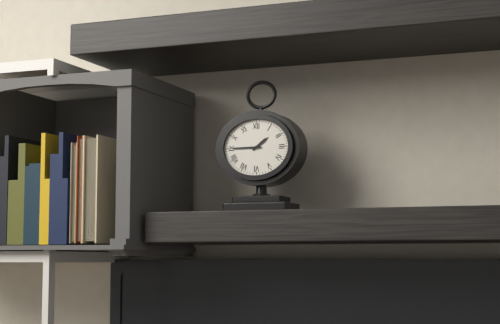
1.45
